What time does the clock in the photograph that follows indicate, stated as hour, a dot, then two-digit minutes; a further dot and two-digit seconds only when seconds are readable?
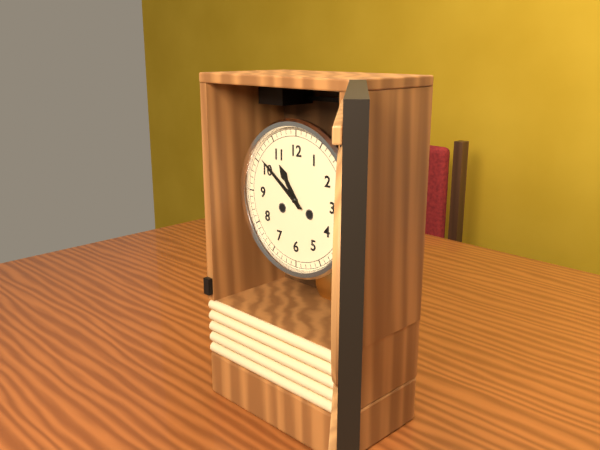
10.51
